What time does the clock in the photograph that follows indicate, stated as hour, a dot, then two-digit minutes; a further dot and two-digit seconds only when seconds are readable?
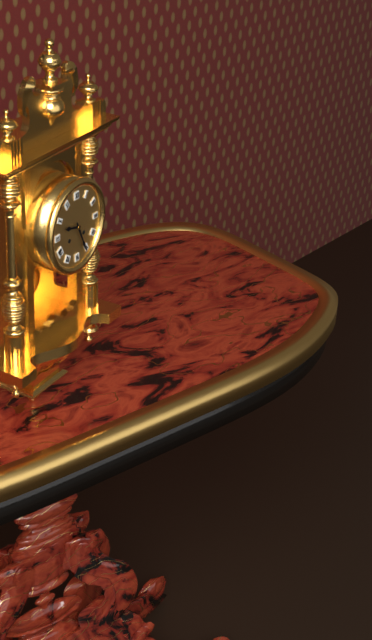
9.26
